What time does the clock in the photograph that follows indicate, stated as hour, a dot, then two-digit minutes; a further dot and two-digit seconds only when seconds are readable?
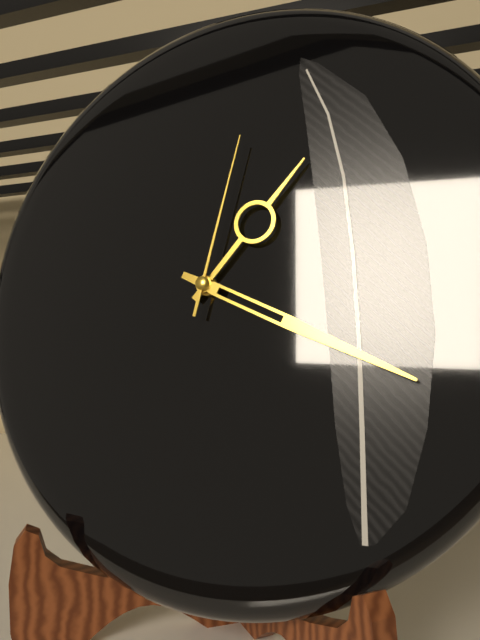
1.19.02
